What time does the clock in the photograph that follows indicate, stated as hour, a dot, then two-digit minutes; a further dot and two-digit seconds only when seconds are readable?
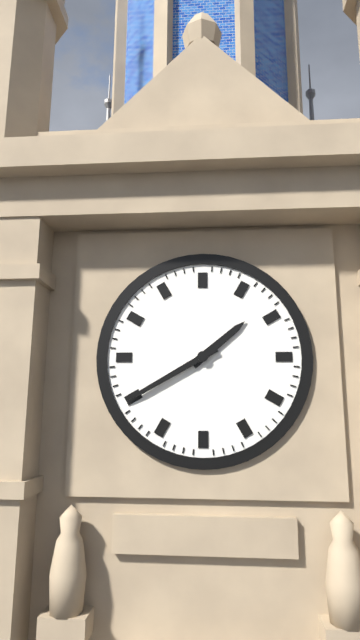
1.40
